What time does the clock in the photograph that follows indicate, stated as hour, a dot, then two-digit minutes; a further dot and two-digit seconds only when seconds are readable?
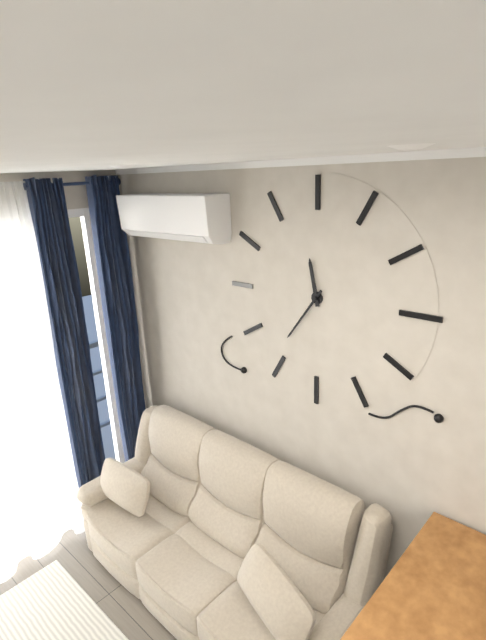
11.36
